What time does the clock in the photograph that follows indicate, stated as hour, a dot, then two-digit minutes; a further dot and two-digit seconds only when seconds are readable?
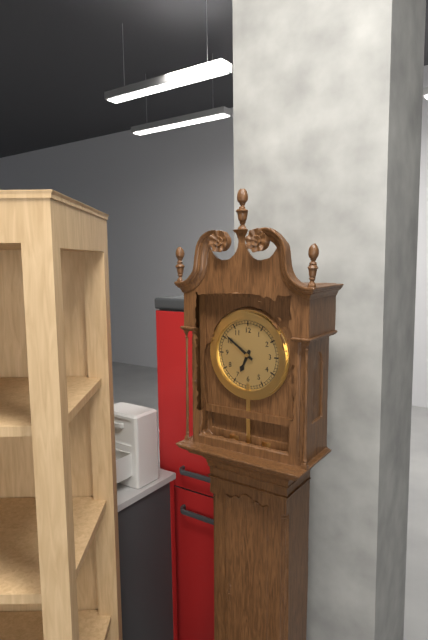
6.51
